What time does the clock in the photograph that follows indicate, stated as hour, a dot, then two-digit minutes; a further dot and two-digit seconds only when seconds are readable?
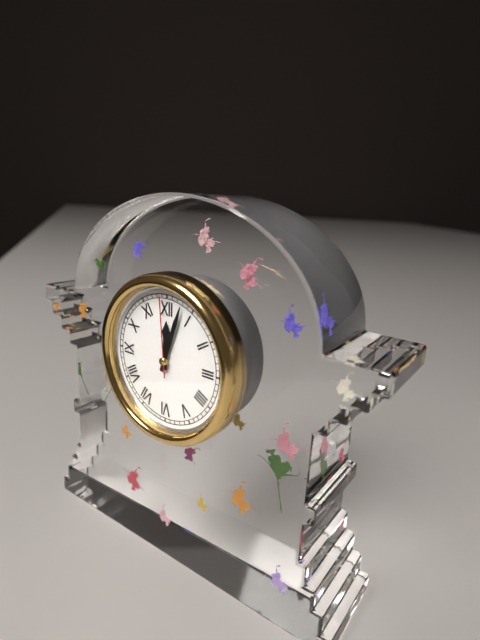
12.03.59
